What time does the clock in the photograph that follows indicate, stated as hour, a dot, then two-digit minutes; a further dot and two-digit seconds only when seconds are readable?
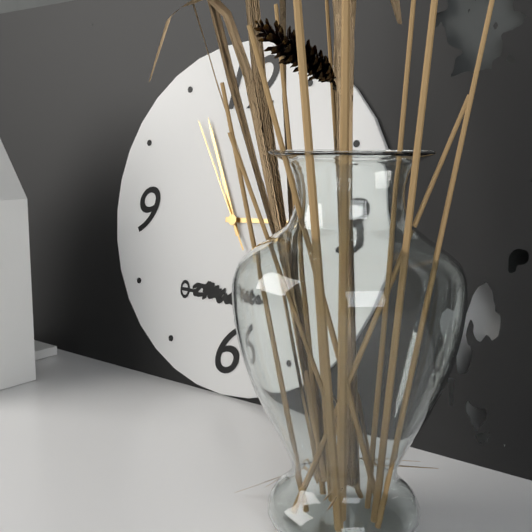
2.56.55
